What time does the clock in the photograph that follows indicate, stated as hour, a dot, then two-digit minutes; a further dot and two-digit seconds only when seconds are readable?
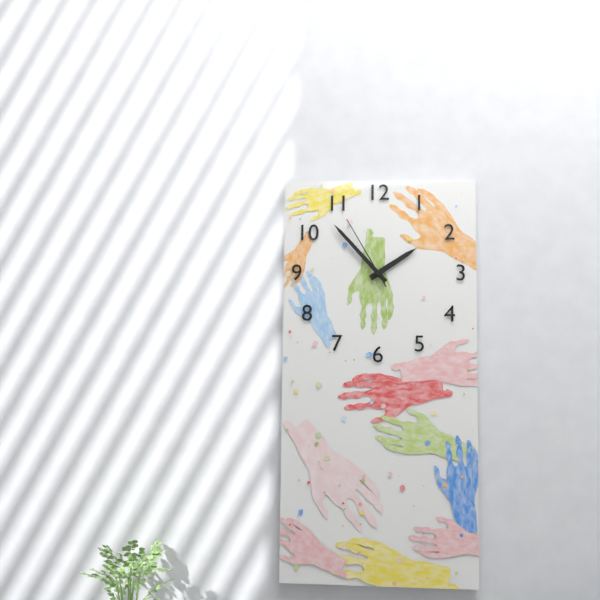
1.53.55
